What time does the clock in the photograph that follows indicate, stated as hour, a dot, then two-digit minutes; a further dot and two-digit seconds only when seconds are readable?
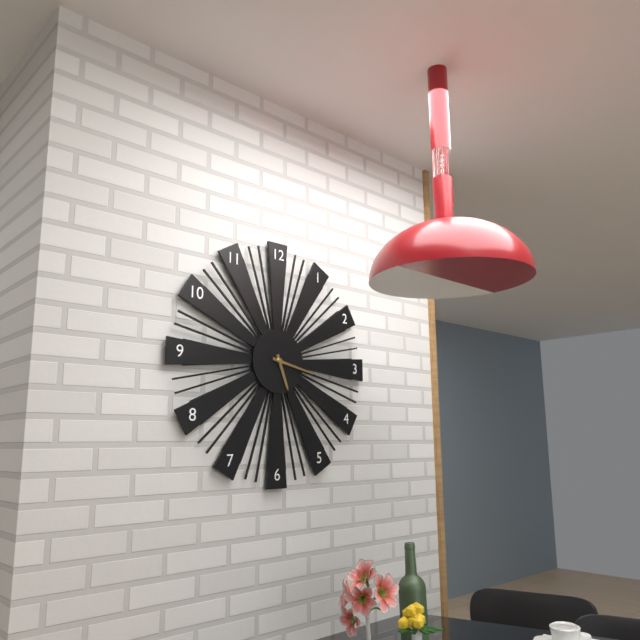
5.17
